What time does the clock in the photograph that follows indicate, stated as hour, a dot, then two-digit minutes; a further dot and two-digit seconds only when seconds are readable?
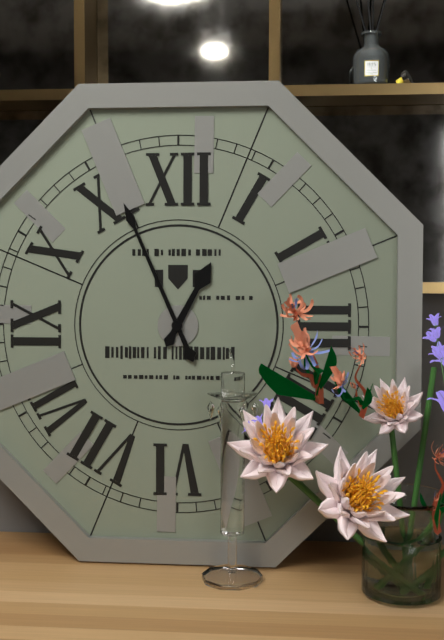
12.56
